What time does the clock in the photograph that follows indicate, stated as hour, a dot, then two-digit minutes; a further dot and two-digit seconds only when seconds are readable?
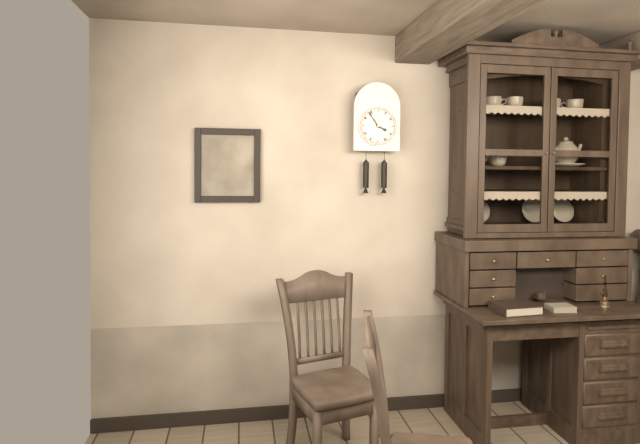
3.54
